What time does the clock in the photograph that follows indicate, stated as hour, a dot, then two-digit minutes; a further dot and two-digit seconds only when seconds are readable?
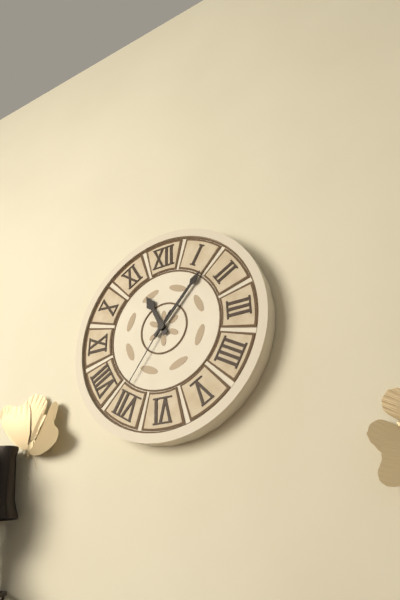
11.07.36
